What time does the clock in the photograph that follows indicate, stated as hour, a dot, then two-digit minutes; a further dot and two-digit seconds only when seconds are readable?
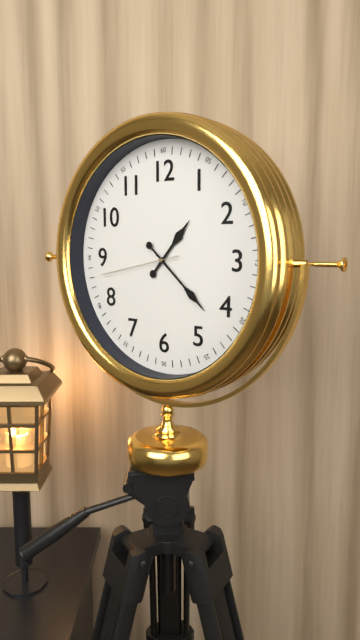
1.22.43
